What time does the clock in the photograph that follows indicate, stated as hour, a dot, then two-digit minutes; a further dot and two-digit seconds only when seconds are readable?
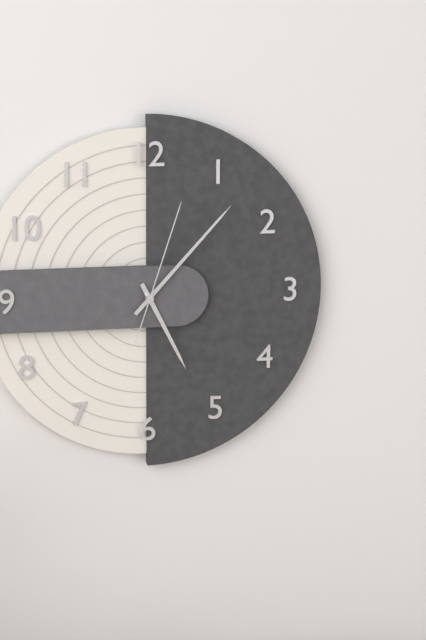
5.07.03
